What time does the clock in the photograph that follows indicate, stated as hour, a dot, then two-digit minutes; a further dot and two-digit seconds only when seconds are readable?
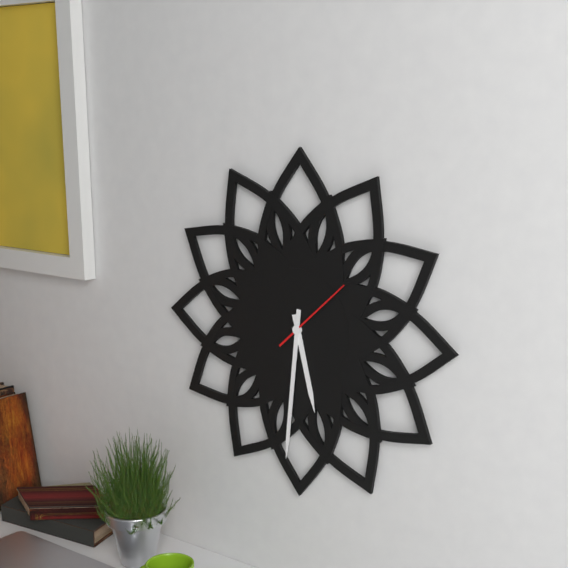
5.31.08
